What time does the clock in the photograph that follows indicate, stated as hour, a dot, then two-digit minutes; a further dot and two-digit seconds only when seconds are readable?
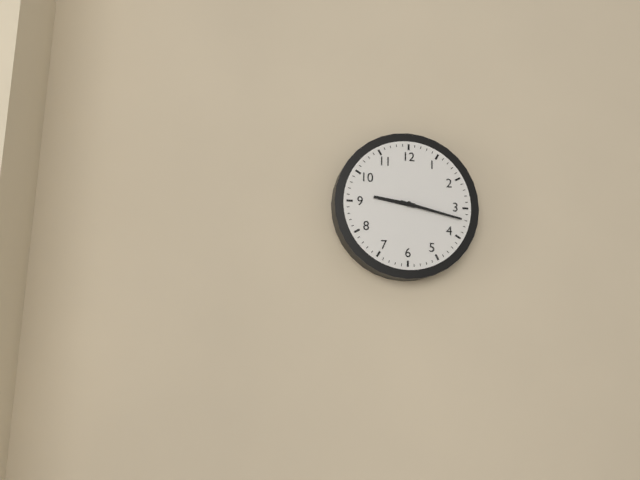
9.17
